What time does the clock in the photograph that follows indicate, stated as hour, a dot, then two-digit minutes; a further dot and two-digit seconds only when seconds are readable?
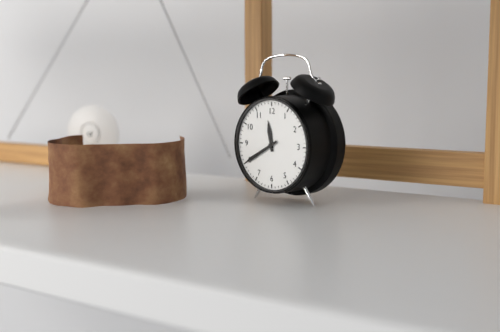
11.40
